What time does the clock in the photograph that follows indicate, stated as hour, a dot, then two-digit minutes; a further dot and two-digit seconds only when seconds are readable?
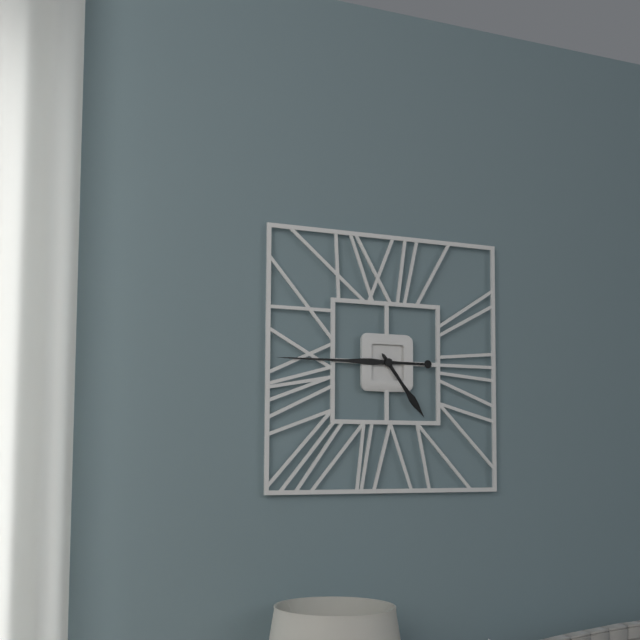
4.45
